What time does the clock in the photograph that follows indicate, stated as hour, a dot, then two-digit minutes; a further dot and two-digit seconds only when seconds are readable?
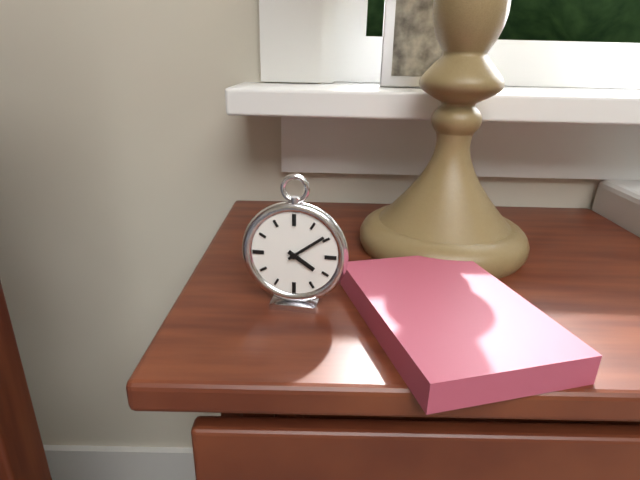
4.09
